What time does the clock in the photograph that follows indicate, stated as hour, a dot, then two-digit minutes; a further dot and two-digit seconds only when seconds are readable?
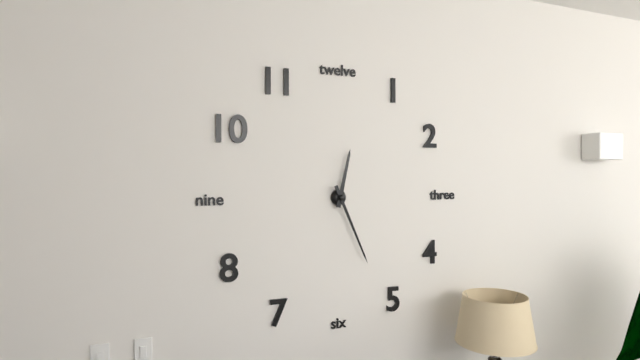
12.26
